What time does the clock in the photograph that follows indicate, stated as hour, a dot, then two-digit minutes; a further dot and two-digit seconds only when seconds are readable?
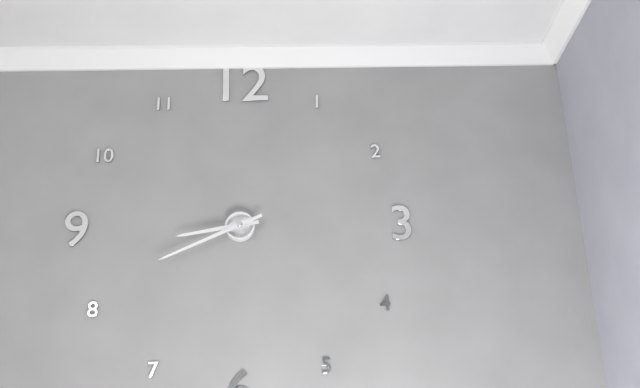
8.41
